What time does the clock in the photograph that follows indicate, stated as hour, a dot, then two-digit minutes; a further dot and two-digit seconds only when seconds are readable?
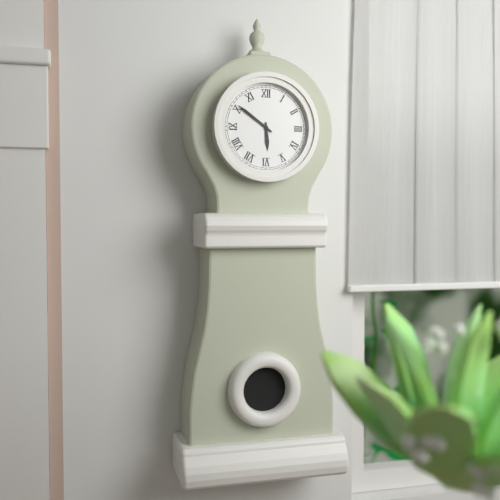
5.51
